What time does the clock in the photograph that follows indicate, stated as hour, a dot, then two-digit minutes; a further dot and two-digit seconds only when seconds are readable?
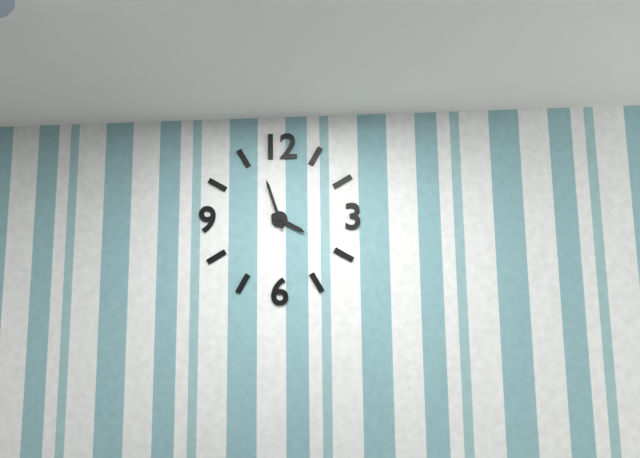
3.57
